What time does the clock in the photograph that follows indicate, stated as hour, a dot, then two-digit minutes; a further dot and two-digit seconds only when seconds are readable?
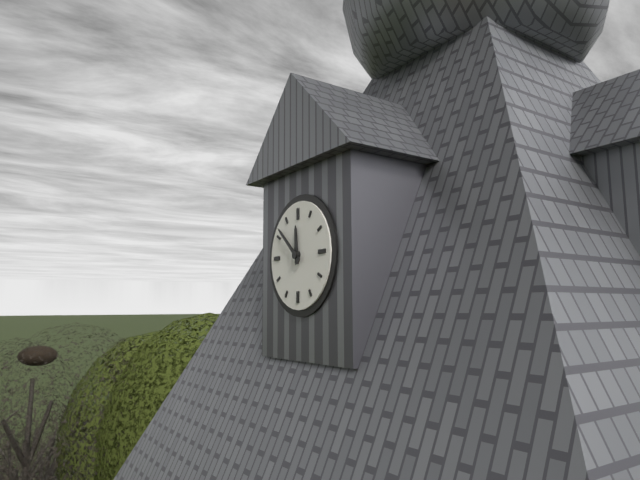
11.52
